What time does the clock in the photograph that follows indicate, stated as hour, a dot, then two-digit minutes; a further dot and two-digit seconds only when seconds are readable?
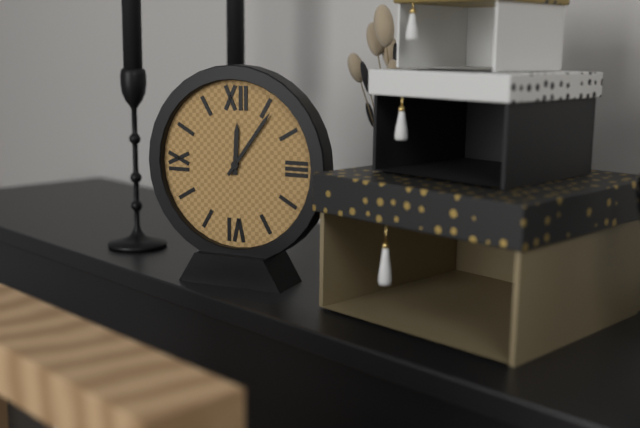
12.06
